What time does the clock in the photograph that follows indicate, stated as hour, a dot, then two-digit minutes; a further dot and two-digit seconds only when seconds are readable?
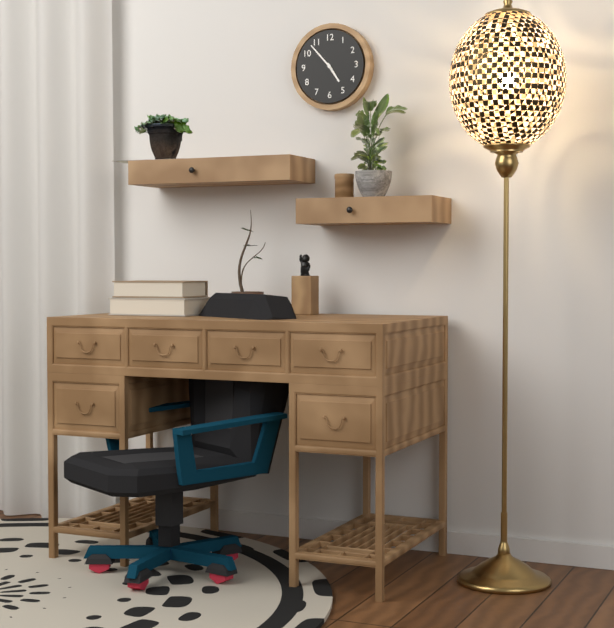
4.53
